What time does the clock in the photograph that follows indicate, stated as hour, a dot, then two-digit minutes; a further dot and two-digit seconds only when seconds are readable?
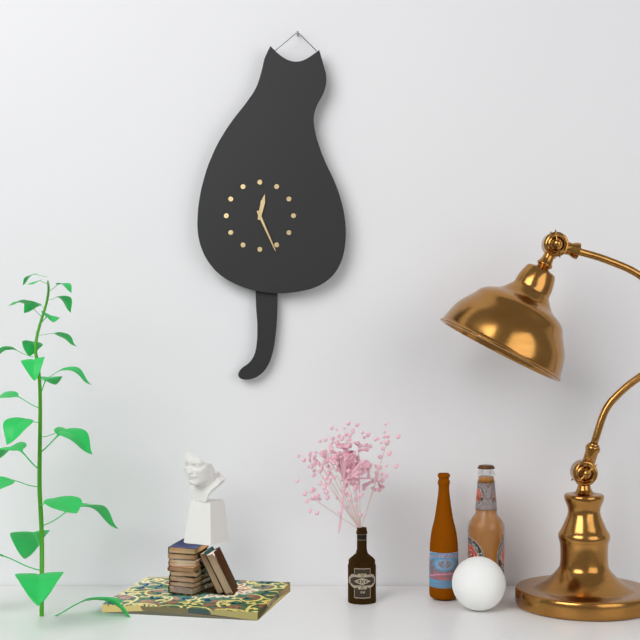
12.26
